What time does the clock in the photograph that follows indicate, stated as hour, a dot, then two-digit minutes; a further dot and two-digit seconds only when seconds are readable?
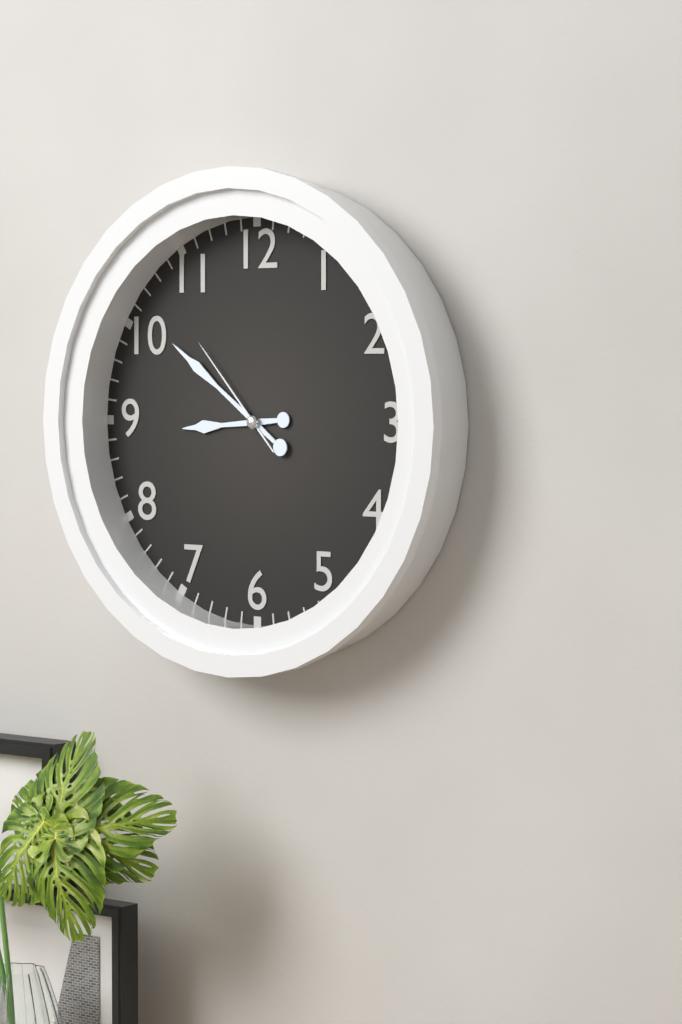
8.51.53
